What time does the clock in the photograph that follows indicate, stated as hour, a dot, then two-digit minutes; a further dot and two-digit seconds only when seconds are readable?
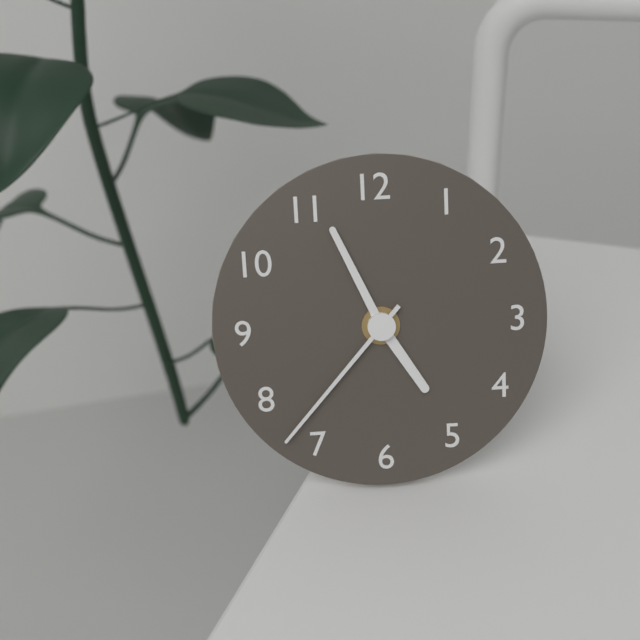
4.56.37
